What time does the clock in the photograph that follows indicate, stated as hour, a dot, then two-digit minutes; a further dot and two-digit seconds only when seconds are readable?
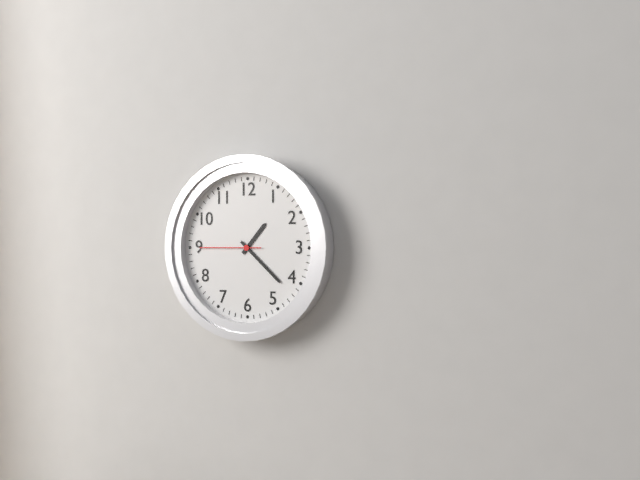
1.22.45
